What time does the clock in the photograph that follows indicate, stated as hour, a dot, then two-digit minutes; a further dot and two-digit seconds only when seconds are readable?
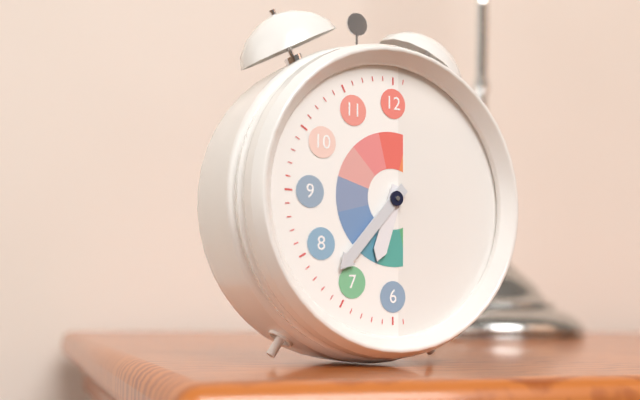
6.37
